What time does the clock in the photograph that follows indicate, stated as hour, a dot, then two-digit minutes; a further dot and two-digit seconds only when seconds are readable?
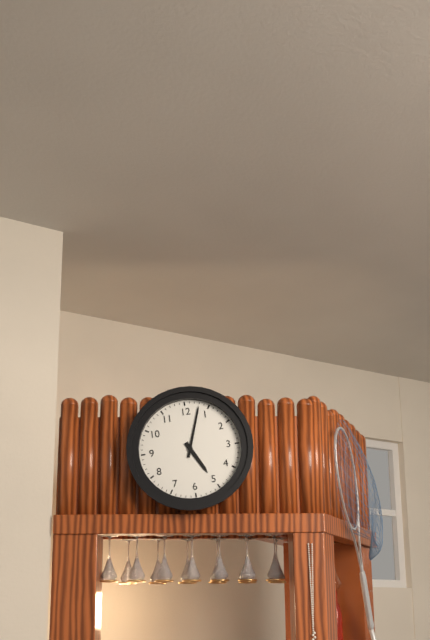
5.03
